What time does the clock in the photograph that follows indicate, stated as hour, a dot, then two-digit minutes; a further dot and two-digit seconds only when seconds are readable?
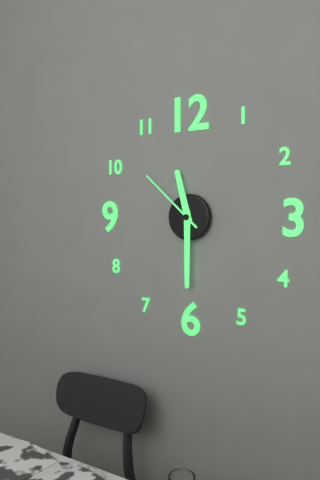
11.30.52
